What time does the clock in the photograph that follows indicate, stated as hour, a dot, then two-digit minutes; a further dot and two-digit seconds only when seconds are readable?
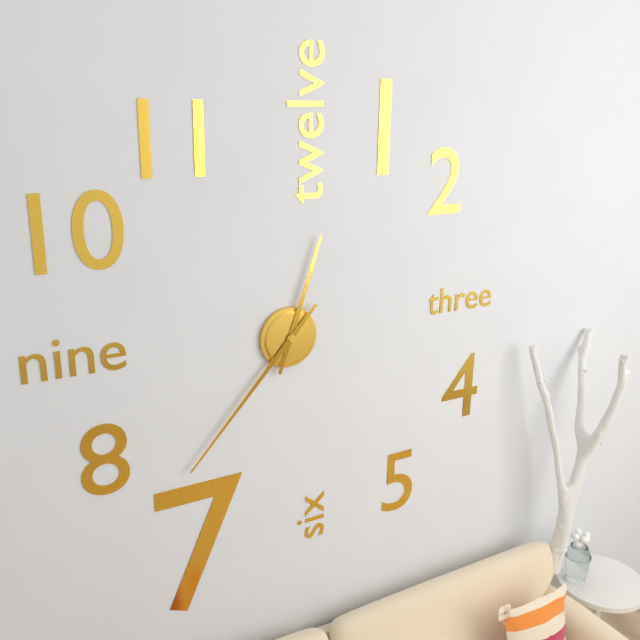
12.37
